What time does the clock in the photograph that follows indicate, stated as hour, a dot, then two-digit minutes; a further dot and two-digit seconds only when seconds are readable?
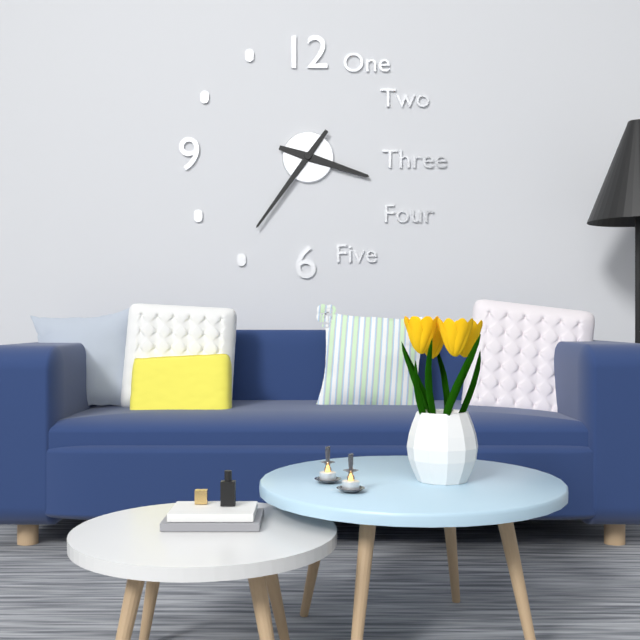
3.36
